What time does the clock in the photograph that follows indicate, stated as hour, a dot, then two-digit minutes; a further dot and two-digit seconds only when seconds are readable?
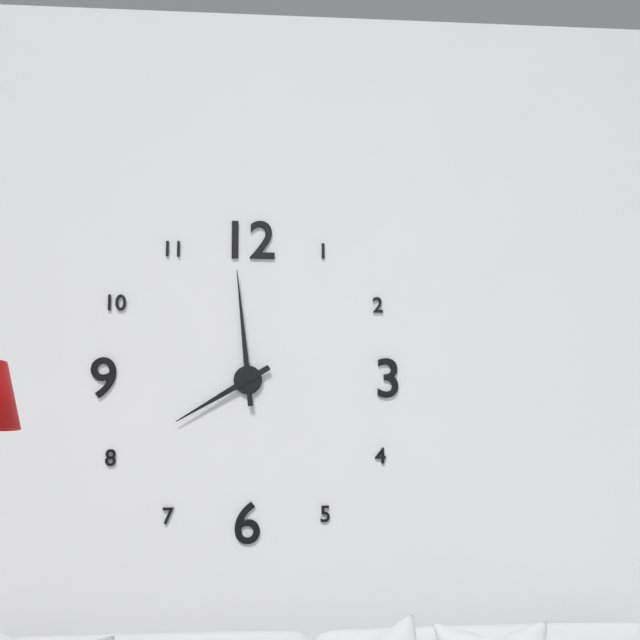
7.59
